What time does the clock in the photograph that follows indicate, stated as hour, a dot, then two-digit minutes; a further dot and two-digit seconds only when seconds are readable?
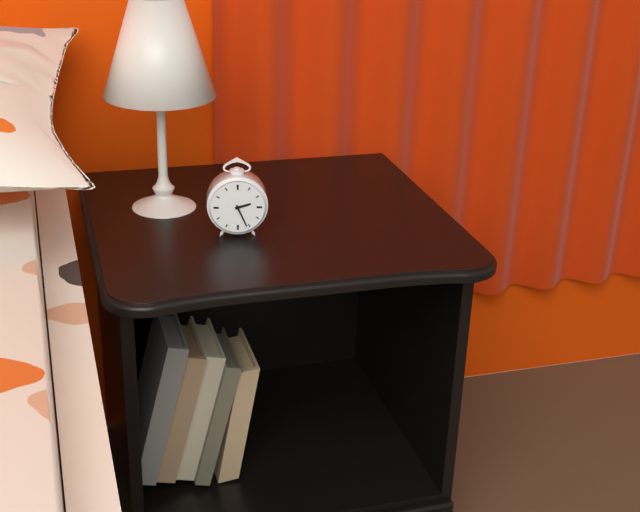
2.26
